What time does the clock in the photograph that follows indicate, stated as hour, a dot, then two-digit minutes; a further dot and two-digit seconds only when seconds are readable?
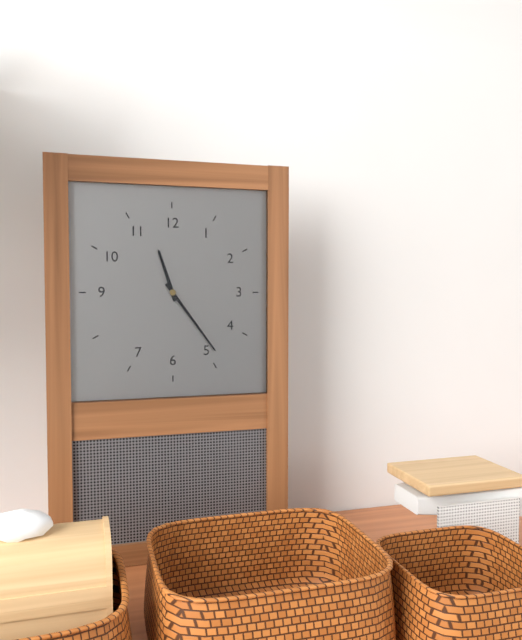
11.24
